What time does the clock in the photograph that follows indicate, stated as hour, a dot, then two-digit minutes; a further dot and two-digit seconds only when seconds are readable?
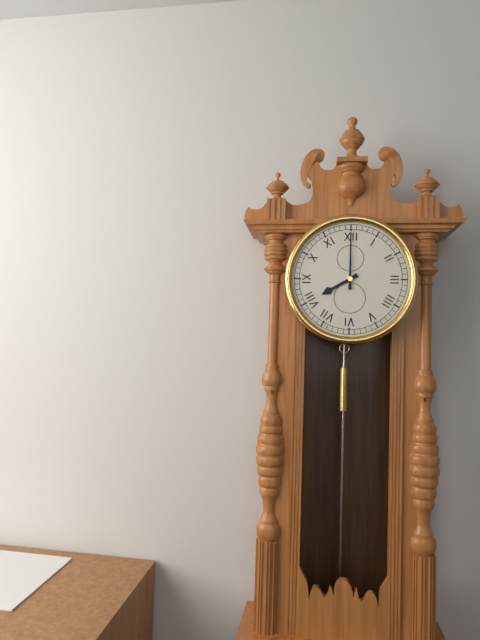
8.00
